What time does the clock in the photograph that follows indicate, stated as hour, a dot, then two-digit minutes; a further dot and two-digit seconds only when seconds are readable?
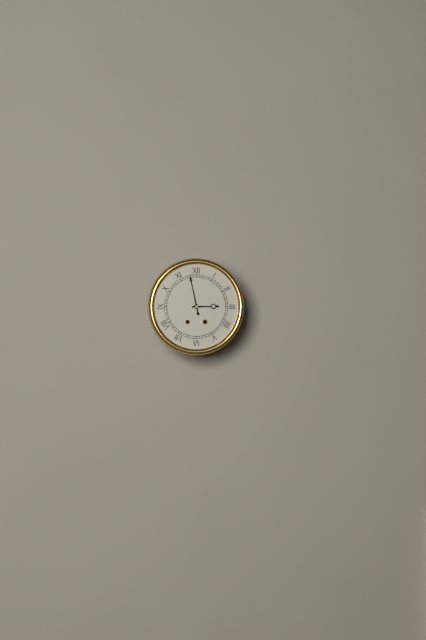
2.58
